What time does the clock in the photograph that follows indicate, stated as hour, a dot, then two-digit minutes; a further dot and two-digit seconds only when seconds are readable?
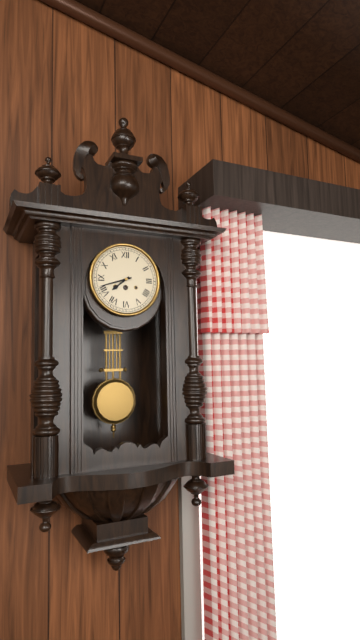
7.42
